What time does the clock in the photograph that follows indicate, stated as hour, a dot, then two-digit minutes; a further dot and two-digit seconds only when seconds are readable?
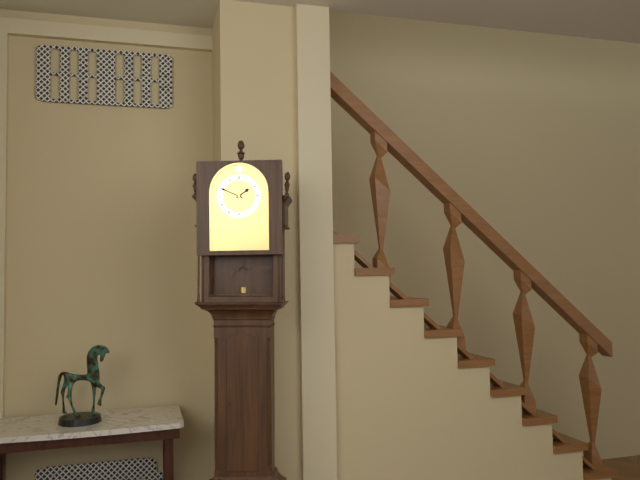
1.49
